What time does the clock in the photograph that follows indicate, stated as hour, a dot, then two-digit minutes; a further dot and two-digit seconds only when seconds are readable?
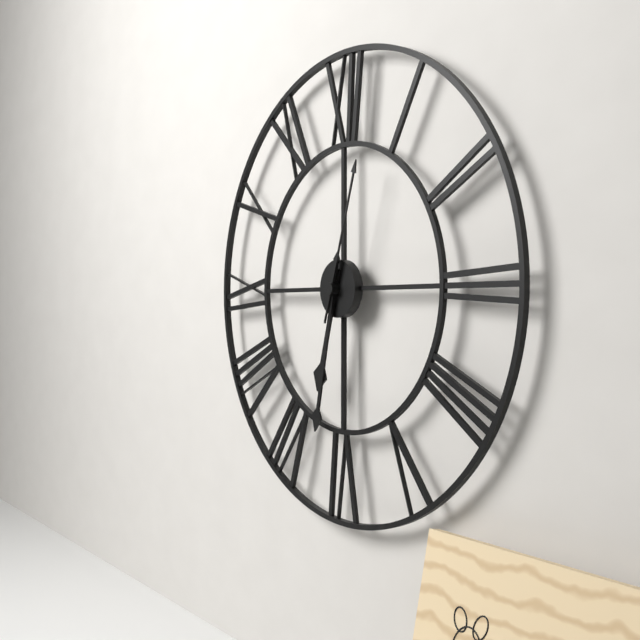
6.32.03
